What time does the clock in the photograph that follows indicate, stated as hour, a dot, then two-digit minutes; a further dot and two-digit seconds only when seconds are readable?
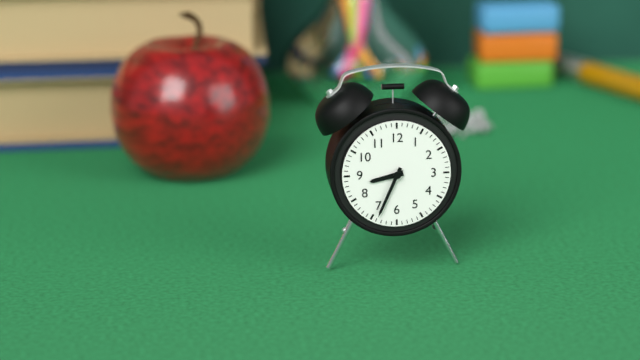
8.34
